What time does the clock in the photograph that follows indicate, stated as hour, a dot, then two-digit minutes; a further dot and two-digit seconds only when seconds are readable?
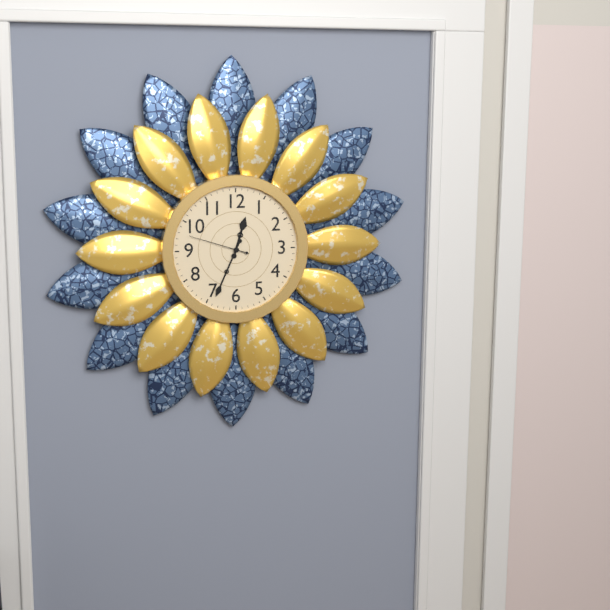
12.34.48
